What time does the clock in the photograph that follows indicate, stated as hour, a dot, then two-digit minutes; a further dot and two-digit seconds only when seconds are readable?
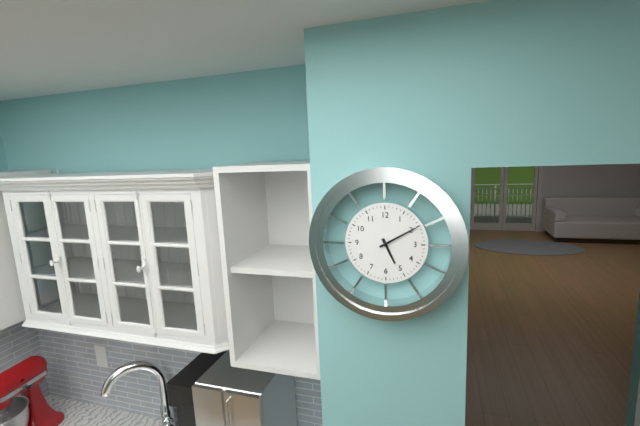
5.10
